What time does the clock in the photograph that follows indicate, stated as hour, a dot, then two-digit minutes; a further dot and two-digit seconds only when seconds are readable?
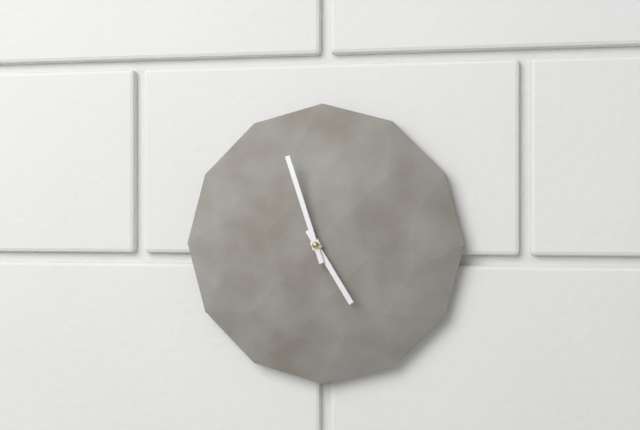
4.57
